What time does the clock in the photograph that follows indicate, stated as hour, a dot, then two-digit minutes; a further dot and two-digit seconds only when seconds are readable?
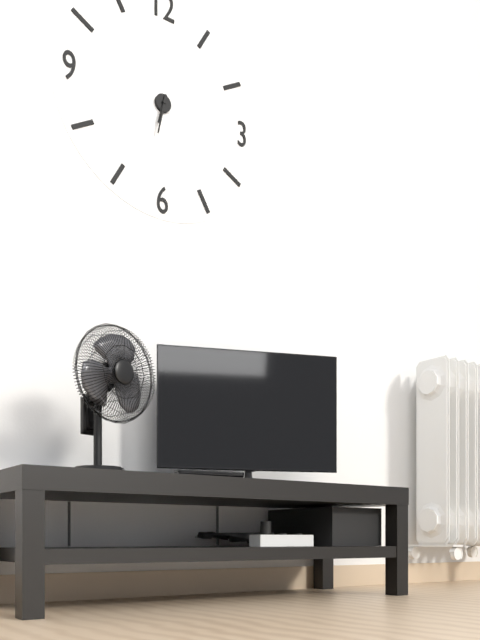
6.32
